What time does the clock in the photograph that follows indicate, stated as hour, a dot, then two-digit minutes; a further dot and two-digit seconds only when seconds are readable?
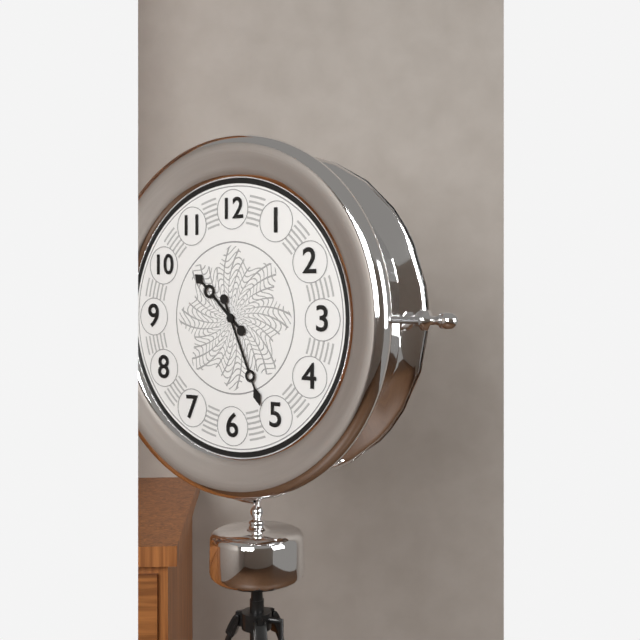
10.26
